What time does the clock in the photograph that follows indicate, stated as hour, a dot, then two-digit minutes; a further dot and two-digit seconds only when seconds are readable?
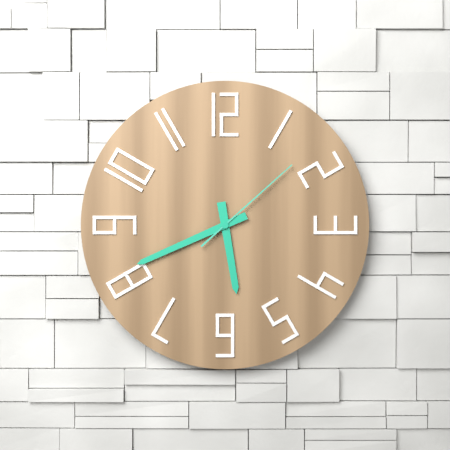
5.41.08
